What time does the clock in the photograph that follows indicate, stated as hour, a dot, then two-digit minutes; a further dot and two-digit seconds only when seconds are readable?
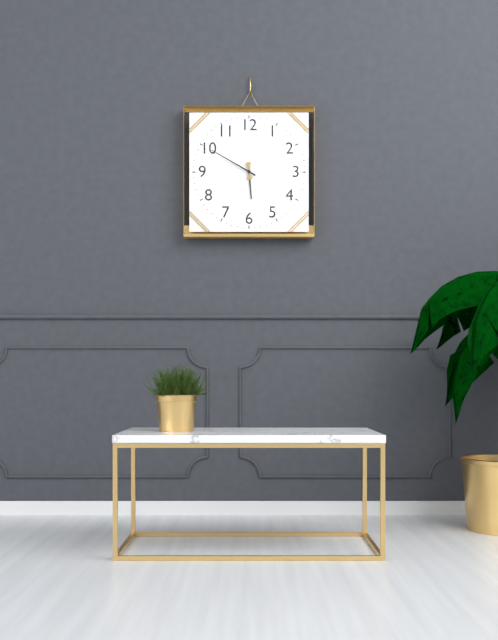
5.50
